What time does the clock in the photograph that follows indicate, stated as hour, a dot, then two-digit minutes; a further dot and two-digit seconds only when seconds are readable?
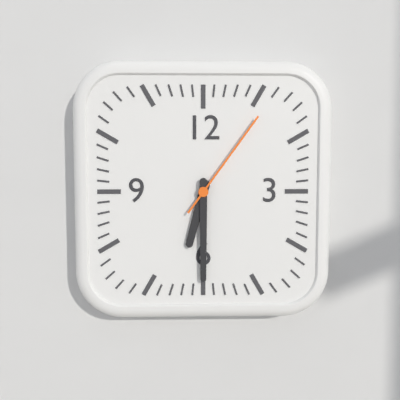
6.30.06
